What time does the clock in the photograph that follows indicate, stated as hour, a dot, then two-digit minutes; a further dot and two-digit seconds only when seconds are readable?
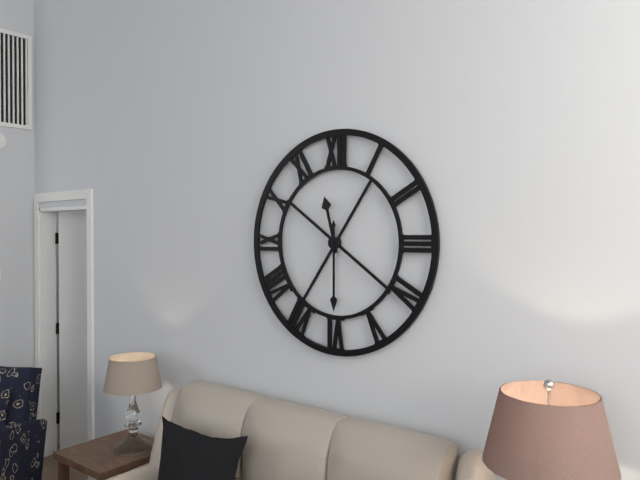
11.30
